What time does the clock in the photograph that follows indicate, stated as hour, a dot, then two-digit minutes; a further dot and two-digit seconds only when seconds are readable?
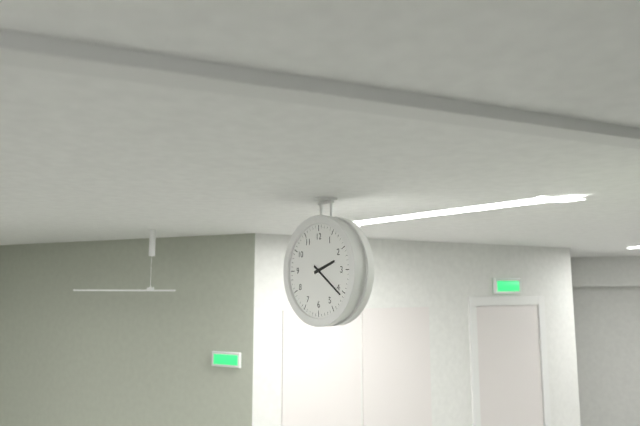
2.21
